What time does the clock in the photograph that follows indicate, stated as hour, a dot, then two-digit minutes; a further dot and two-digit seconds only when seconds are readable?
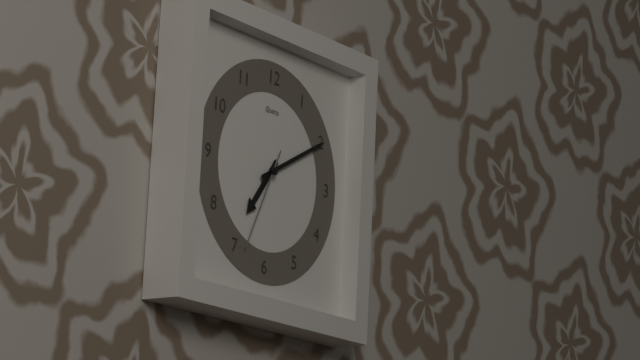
7.10.34
